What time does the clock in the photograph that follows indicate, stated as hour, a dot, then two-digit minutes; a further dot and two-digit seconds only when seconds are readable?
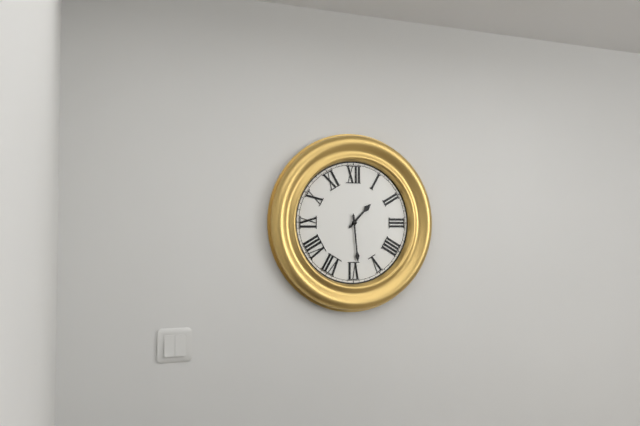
1.29
